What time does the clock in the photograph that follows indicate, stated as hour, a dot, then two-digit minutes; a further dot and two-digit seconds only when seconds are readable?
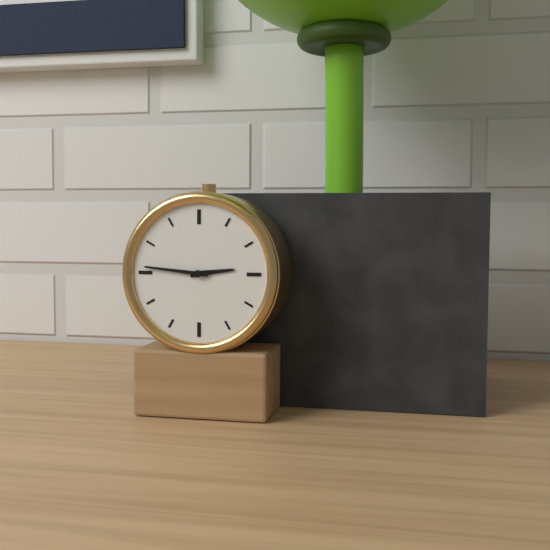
2.46
